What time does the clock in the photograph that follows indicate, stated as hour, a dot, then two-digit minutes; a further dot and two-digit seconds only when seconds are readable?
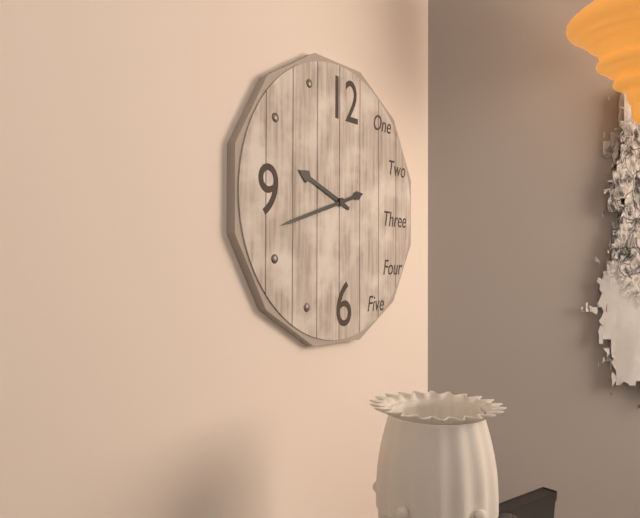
9.42
